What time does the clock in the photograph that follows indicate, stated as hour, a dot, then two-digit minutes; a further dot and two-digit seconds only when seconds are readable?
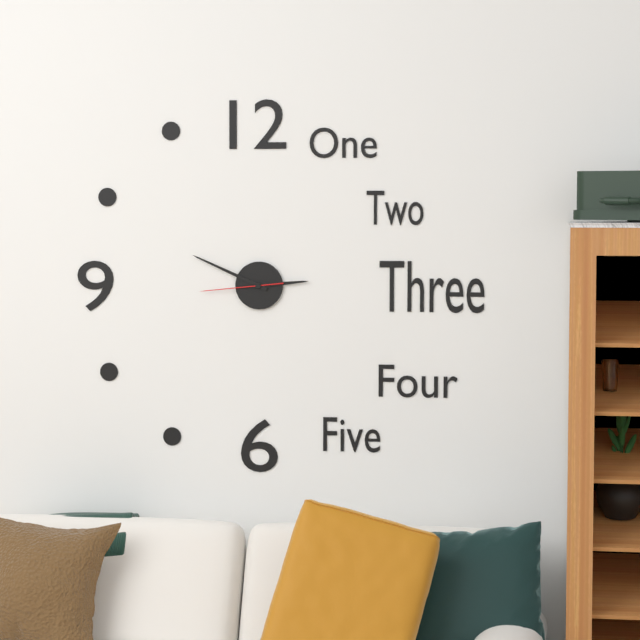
2.49.44
